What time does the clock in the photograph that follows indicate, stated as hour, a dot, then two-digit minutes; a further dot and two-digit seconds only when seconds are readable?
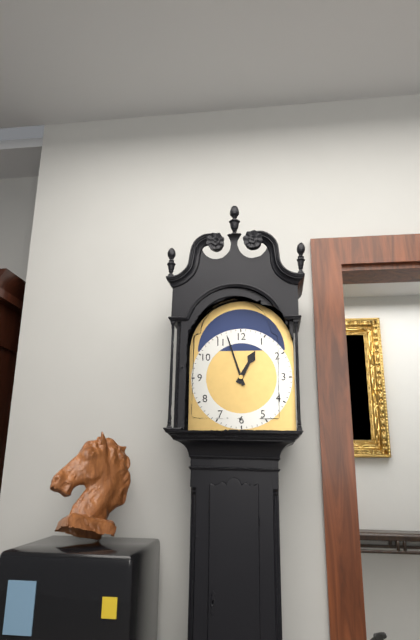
12.57
